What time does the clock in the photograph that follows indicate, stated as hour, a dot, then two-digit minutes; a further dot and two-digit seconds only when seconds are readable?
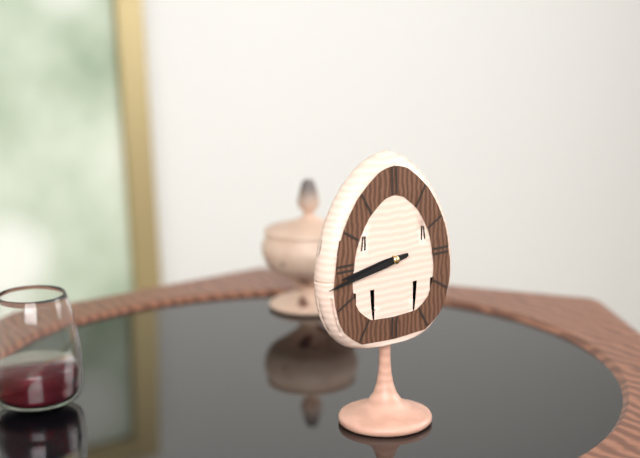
8.43
